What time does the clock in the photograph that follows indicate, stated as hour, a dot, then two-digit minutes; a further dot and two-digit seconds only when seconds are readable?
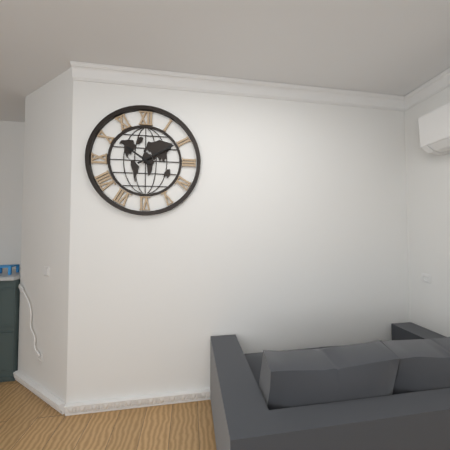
10.10
